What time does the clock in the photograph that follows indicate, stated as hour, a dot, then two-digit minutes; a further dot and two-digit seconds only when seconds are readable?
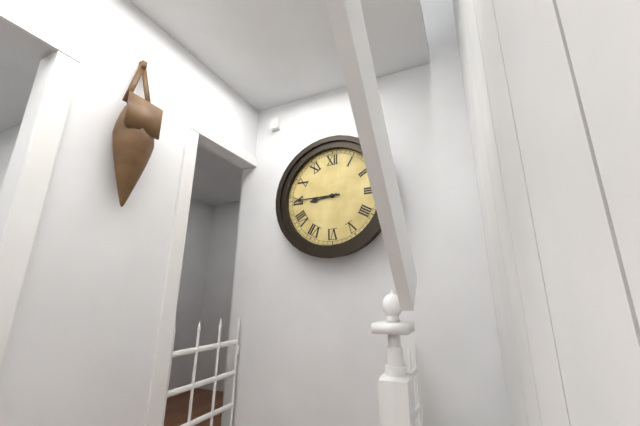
8.45
